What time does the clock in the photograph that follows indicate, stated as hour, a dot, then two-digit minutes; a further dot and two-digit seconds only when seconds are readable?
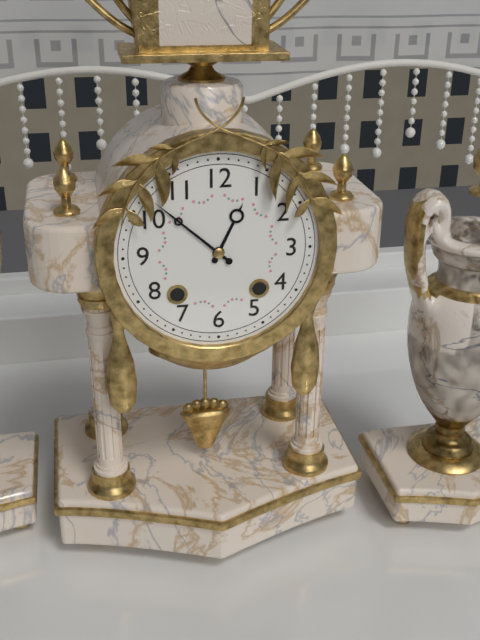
12.52
